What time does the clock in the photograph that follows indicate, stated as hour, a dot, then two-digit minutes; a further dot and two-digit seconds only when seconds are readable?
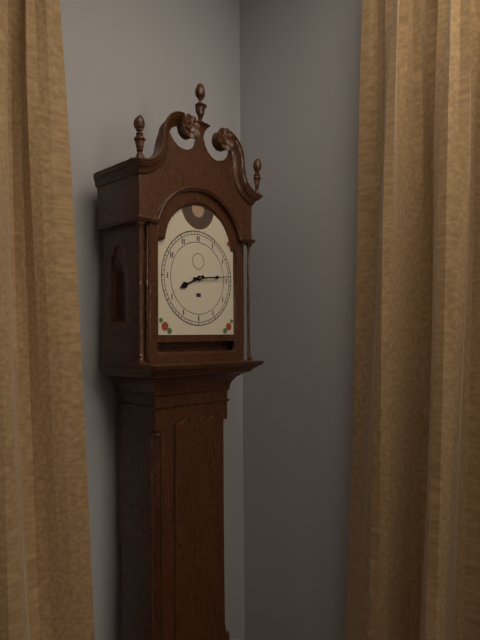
8.14
